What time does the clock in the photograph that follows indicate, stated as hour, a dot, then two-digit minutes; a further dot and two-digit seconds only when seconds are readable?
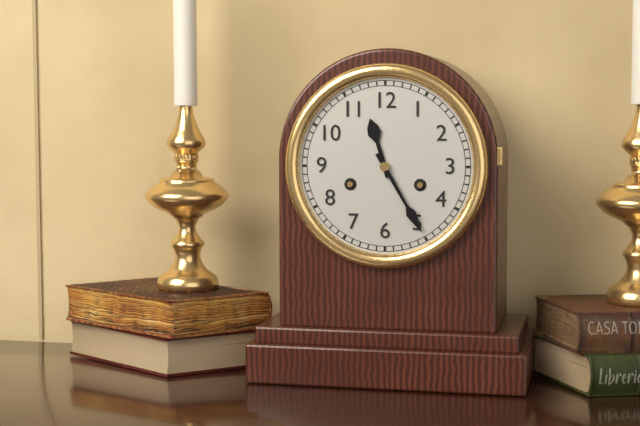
11.25
